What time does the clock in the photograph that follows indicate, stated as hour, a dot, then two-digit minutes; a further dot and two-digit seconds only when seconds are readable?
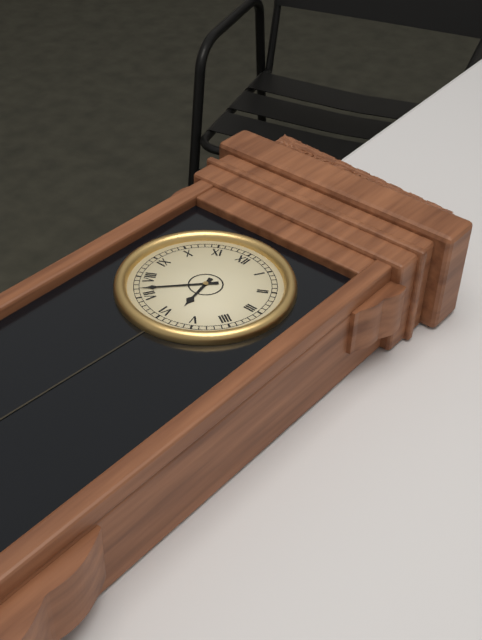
5.37
